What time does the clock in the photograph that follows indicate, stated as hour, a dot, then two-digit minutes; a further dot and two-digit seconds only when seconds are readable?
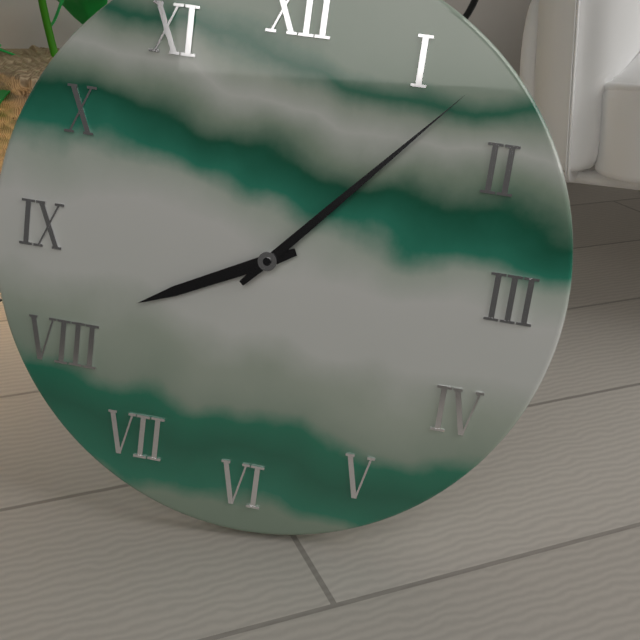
8.07
